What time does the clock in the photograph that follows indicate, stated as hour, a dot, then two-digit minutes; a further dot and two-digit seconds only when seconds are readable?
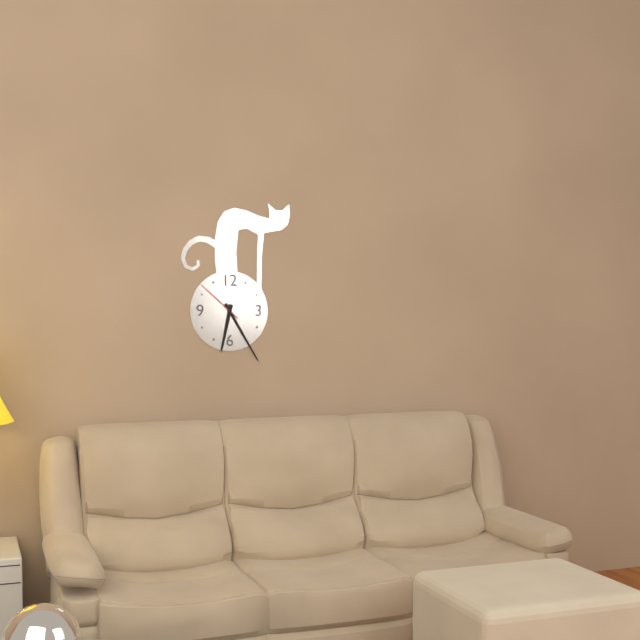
6.25
